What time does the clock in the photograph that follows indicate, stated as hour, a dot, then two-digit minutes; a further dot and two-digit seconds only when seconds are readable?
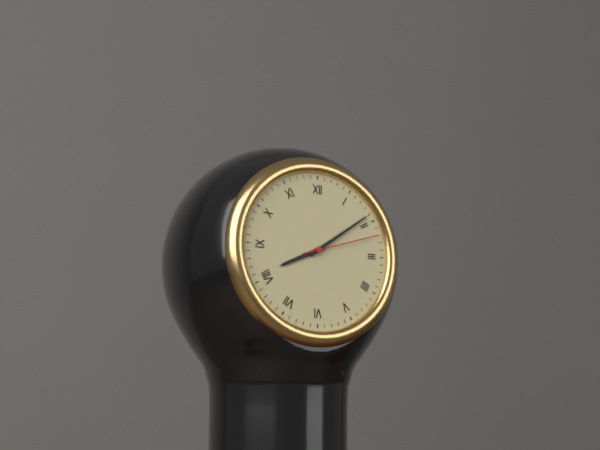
8.09.12
